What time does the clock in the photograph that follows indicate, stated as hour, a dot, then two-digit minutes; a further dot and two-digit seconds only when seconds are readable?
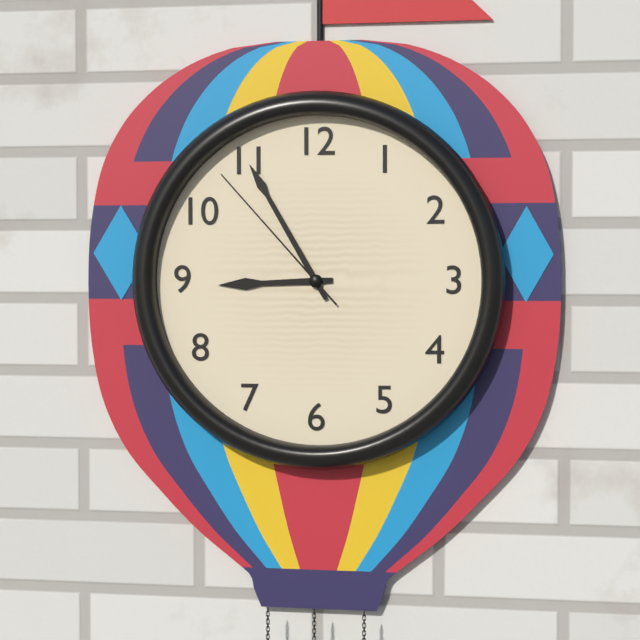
8.55.53
